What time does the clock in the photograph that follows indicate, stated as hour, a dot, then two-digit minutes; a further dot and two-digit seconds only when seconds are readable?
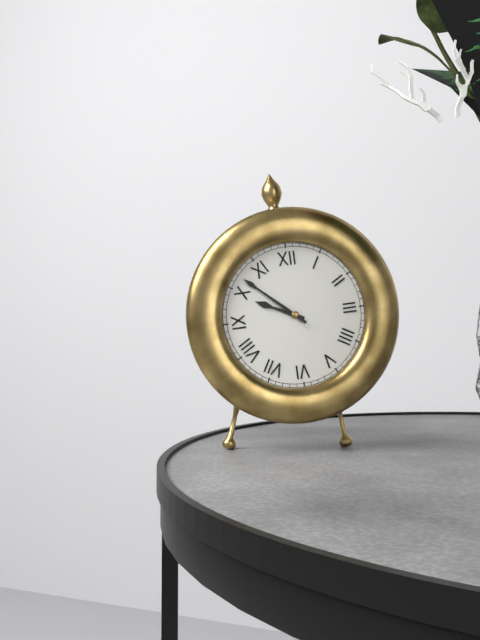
9.52
